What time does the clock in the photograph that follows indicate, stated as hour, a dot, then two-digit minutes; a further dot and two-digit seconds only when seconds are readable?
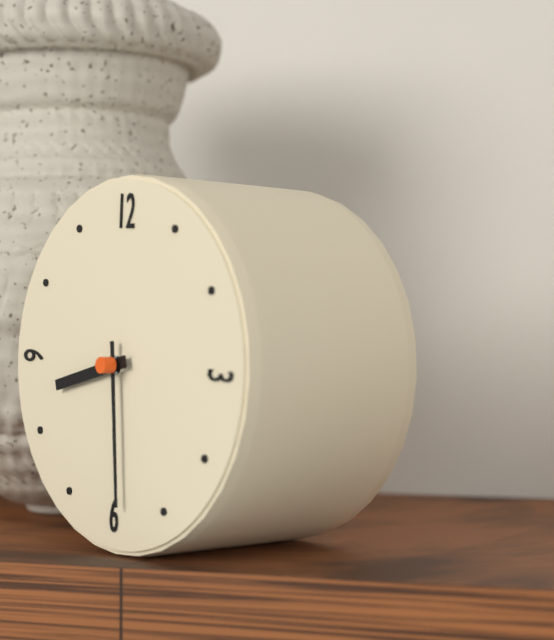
8.29
